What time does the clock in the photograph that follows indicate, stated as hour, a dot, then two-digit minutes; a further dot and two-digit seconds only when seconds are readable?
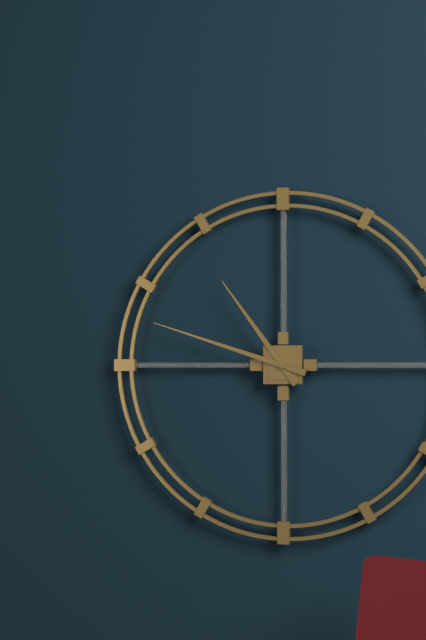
10.48
